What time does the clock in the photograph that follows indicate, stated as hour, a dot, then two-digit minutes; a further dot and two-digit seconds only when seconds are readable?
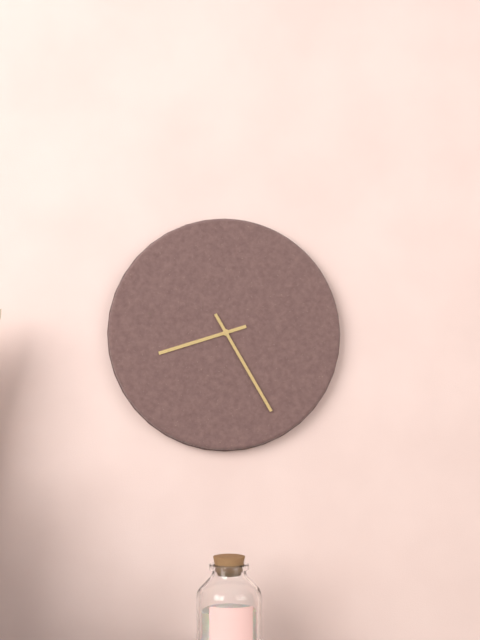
8.25
